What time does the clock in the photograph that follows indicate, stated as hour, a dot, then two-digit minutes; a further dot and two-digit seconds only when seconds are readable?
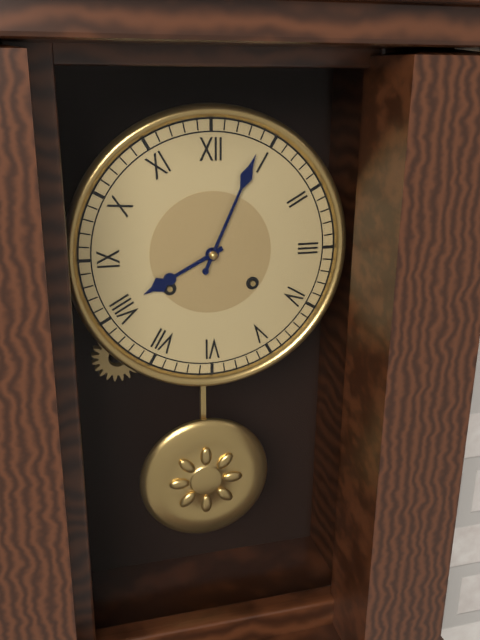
8.04
